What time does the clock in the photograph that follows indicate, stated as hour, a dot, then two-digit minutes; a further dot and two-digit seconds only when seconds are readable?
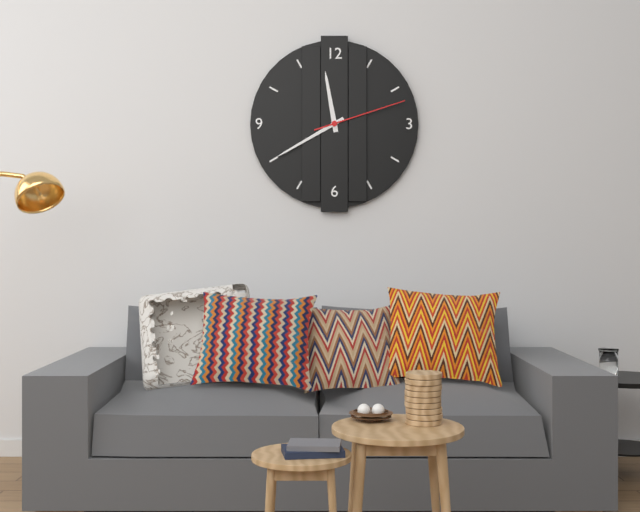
11.40.12
